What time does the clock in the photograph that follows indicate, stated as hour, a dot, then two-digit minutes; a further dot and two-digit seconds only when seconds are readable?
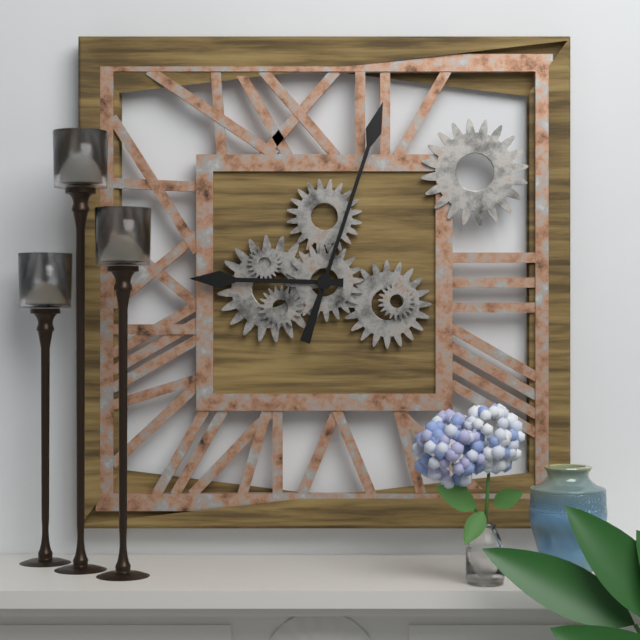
9.03
